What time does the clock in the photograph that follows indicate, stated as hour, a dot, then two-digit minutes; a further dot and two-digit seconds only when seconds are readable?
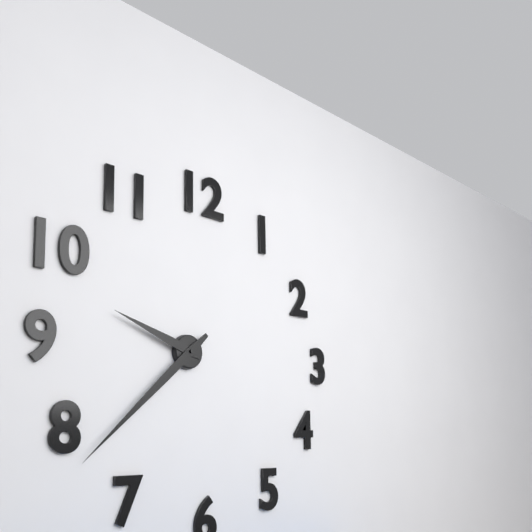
9.38
